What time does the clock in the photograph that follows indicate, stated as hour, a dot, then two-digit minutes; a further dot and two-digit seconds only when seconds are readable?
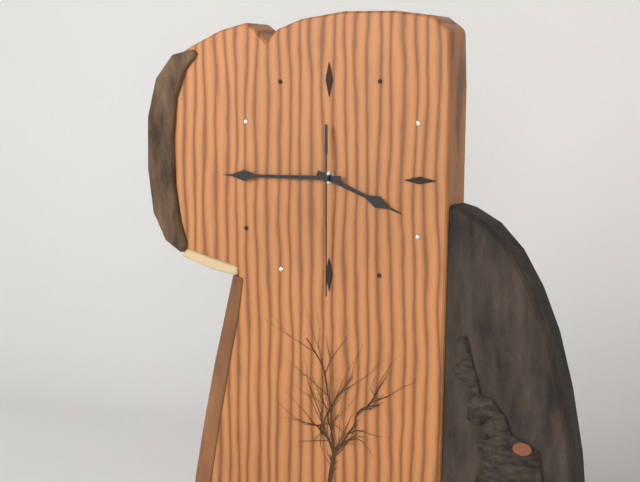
3.45.30
